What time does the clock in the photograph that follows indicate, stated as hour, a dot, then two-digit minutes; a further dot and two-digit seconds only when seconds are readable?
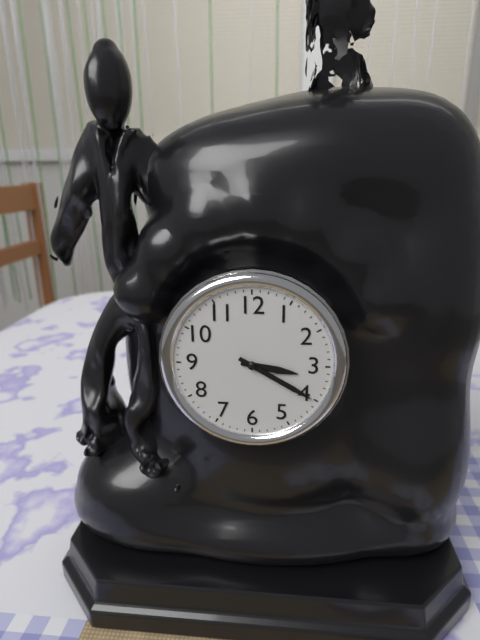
3.20
